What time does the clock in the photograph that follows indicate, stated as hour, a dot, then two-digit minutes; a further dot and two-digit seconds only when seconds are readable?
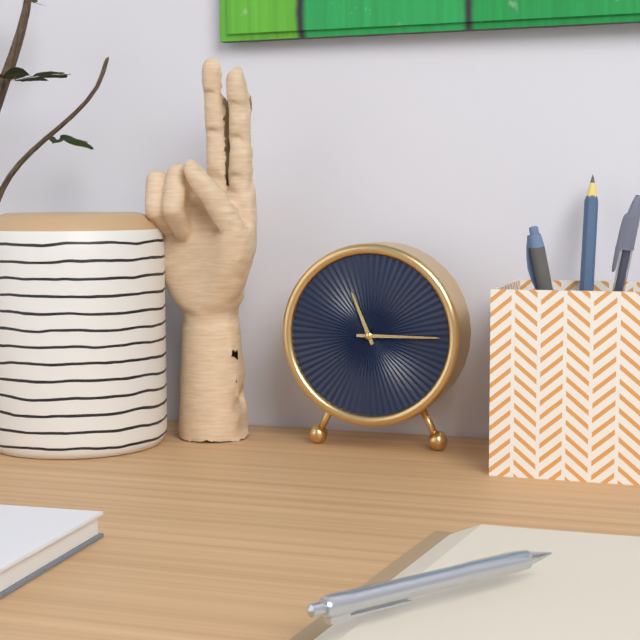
11.15
